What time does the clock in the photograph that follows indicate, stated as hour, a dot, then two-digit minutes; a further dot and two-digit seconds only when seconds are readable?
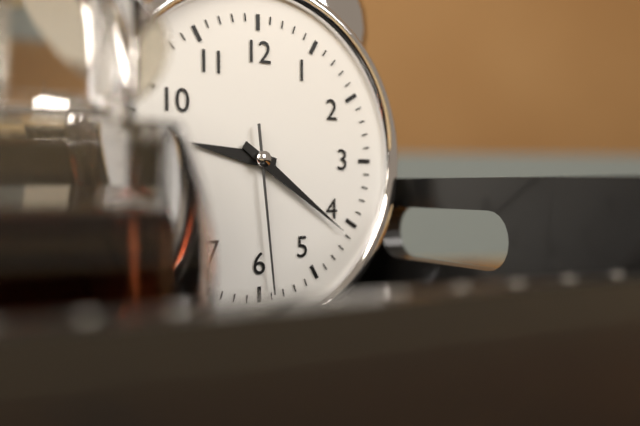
9.21.29
